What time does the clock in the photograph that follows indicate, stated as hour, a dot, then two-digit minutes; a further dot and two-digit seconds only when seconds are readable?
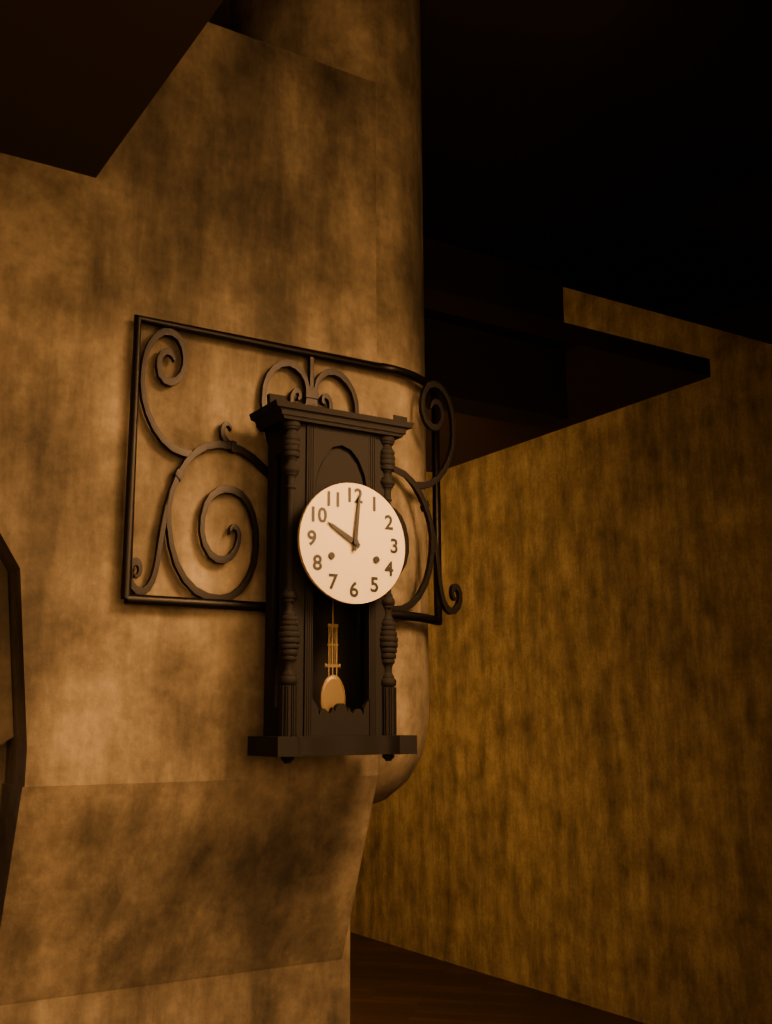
10.01
